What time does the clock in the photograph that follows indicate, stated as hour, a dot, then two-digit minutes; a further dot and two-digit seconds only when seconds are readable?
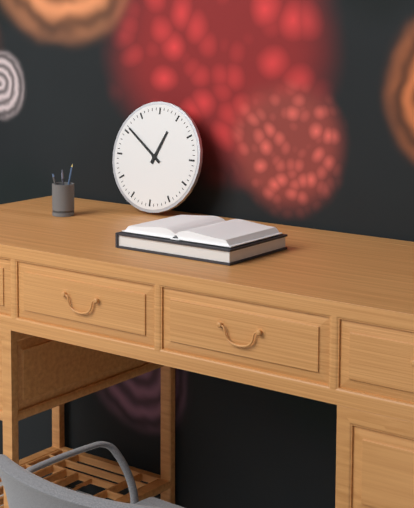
12.51
